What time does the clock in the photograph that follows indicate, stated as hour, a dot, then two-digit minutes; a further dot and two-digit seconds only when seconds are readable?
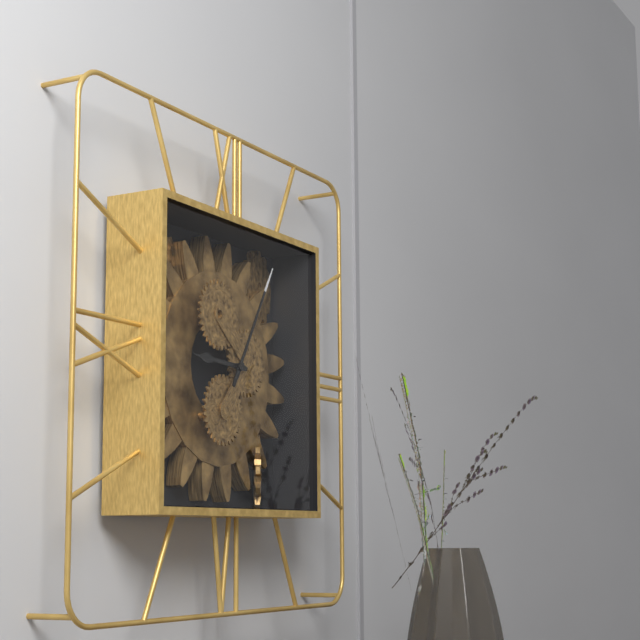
9.05
